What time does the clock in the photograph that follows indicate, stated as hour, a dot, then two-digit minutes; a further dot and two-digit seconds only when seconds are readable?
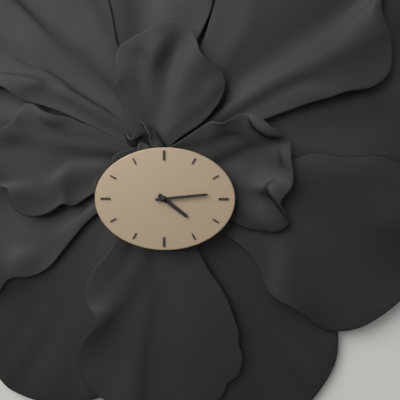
4.14
